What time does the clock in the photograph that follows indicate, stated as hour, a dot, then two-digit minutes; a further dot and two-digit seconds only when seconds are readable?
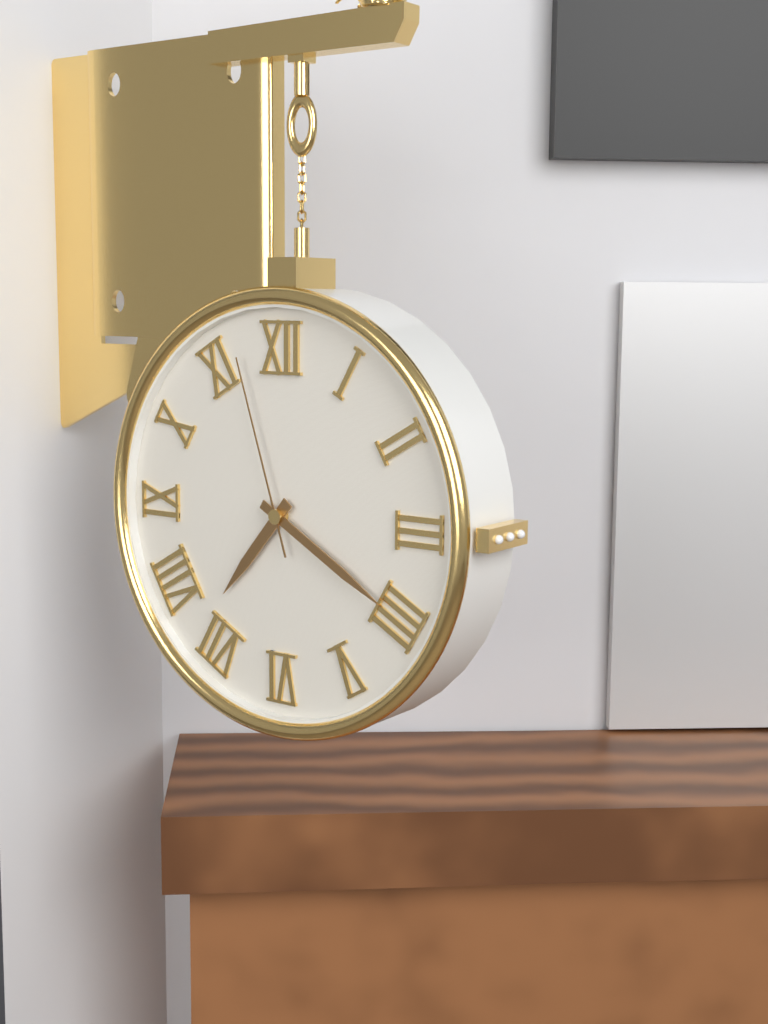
7.20.57
